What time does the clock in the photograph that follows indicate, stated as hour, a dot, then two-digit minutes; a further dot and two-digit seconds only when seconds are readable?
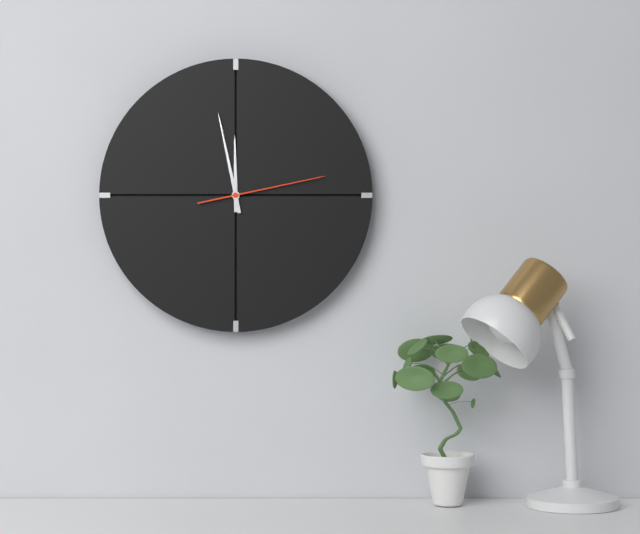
11.58.13
